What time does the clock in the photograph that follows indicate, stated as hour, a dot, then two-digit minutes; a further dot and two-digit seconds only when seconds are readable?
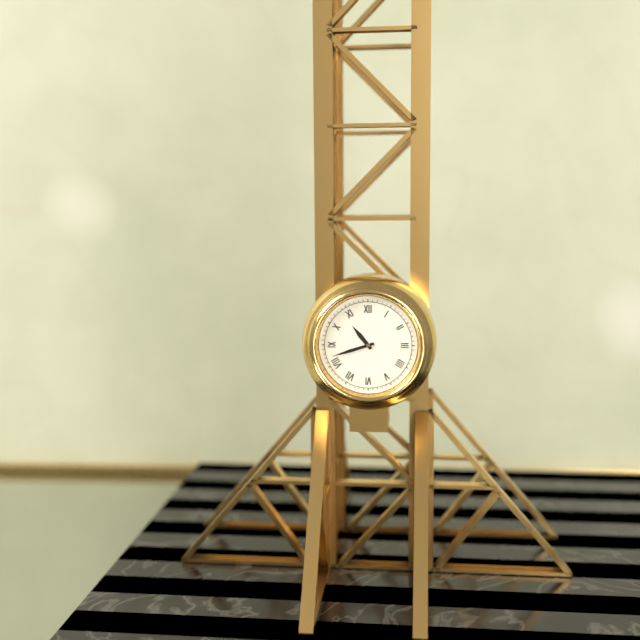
10.42
